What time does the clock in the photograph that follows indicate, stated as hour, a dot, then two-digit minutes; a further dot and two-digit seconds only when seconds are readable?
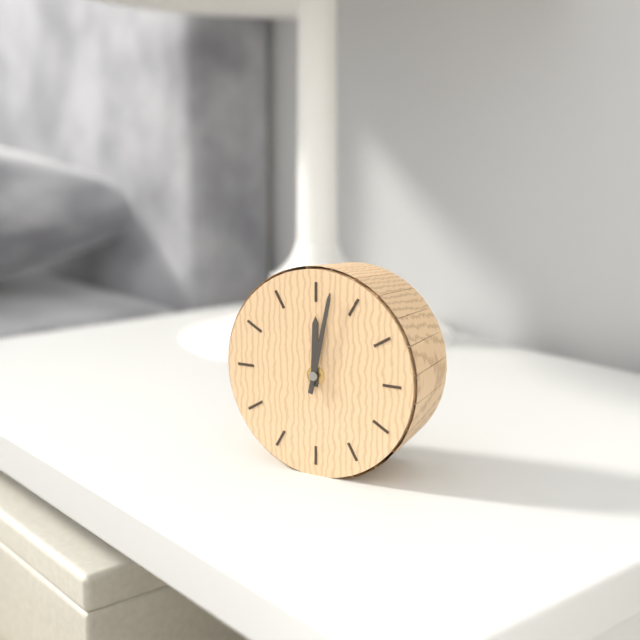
12.02
